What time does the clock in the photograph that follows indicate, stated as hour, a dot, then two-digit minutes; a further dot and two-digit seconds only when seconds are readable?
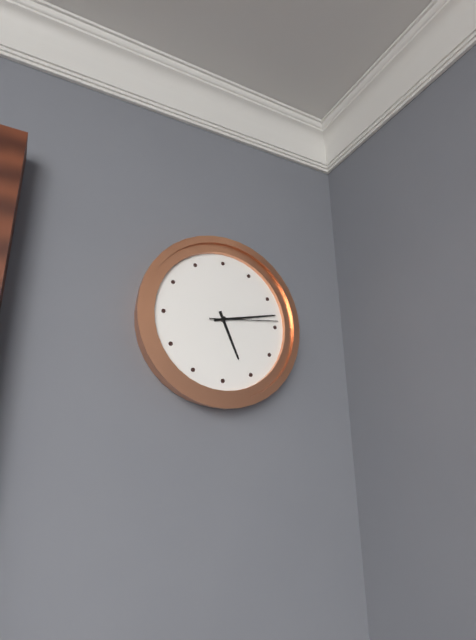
5.13.14
